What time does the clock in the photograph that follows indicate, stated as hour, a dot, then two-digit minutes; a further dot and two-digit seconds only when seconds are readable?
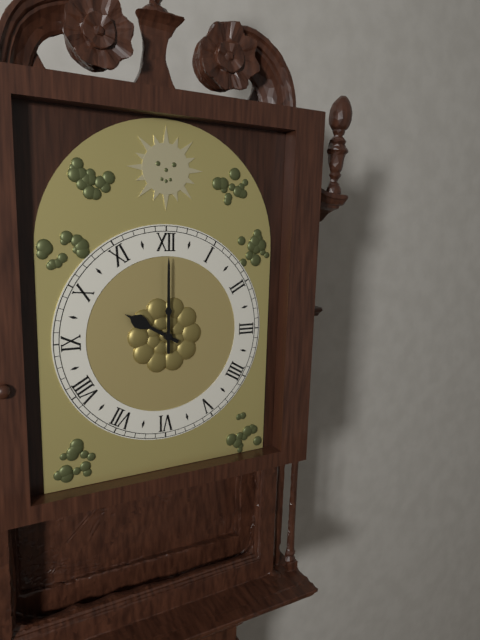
10.00
